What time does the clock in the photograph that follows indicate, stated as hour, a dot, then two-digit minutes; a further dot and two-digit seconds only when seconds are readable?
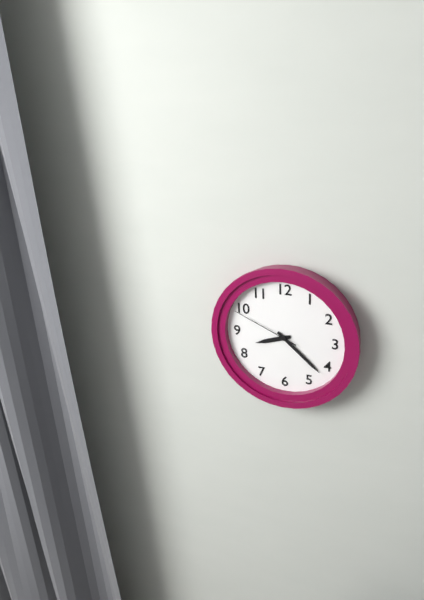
8.22.49
